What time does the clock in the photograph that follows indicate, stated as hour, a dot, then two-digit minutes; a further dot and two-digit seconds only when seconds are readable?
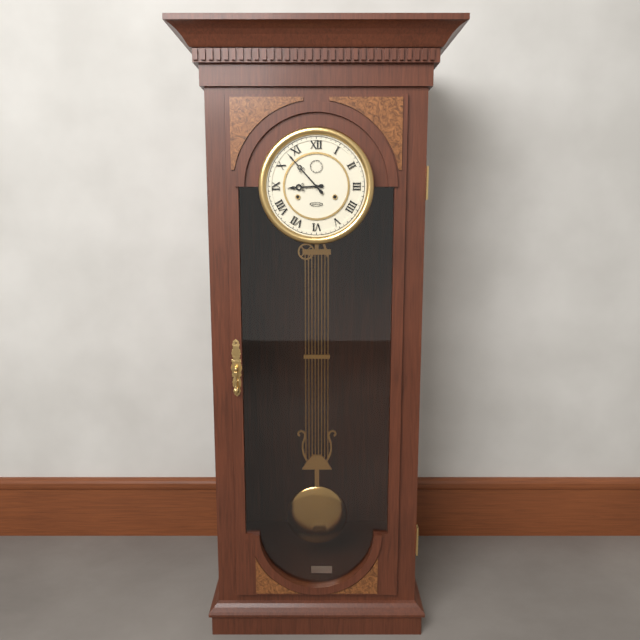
8.53
